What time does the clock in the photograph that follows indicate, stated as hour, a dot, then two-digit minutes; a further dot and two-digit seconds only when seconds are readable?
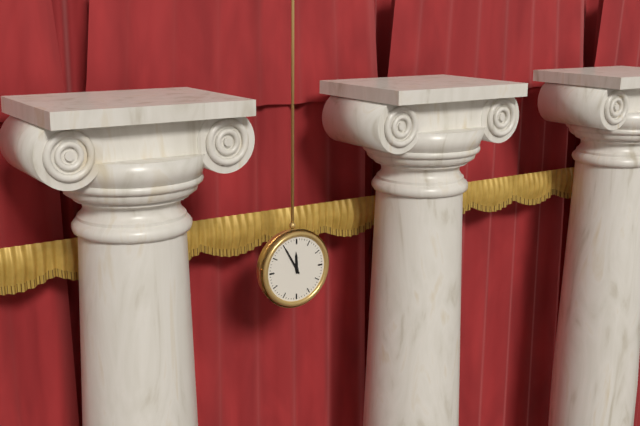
11.55
